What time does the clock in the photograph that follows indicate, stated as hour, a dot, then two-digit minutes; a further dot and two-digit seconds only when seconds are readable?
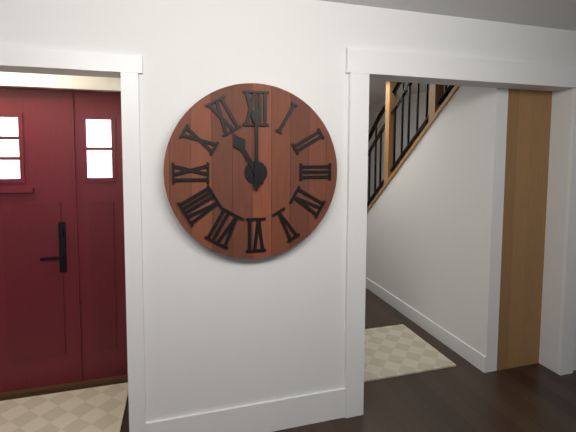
11.00
